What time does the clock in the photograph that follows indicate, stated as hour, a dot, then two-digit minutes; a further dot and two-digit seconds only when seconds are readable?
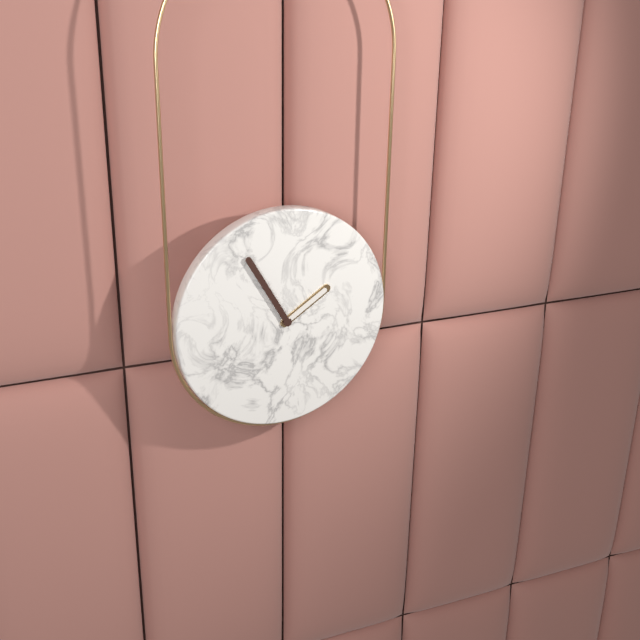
1.55
